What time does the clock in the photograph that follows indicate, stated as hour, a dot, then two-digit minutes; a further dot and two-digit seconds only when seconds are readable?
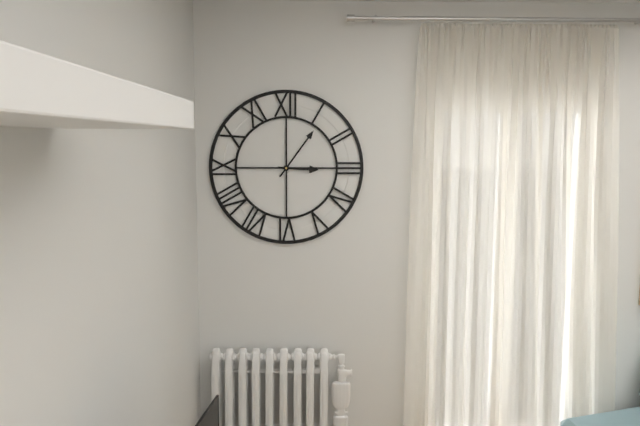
3.06
